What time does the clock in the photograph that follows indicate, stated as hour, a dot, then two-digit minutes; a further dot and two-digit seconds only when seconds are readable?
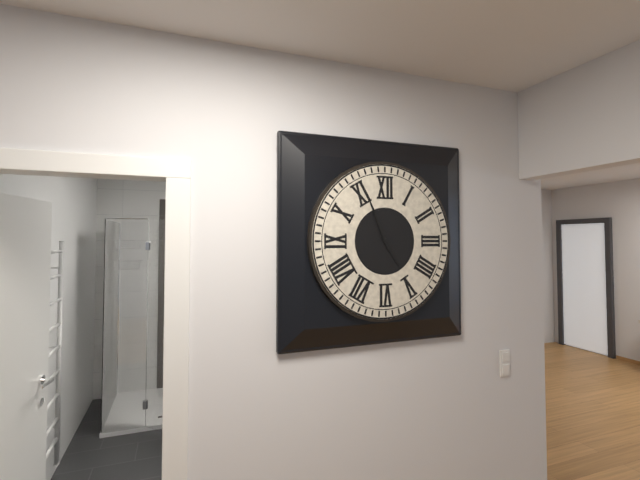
4.56
